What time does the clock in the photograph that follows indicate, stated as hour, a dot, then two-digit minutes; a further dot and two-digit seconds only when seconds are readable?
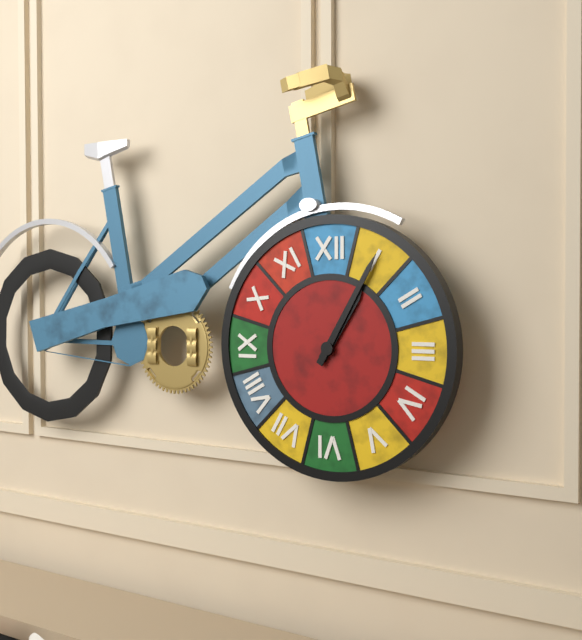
1.05
